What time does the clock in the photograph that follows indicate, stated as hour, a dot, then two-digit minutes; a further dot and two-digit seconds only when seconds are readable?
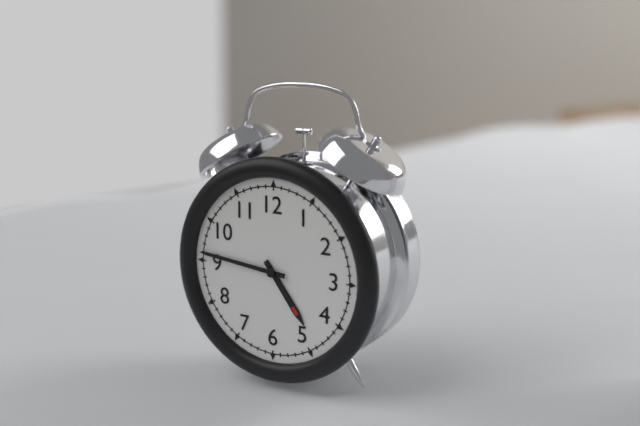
4.46
